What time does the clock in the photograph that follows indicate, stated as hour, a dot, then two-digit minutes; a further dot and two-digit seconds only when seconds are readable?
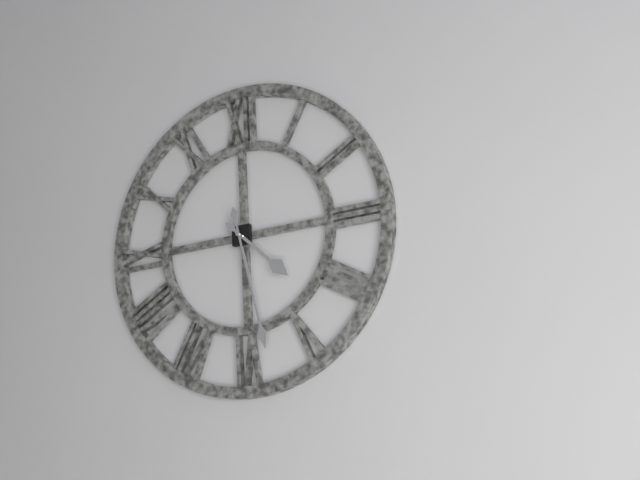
4.28
